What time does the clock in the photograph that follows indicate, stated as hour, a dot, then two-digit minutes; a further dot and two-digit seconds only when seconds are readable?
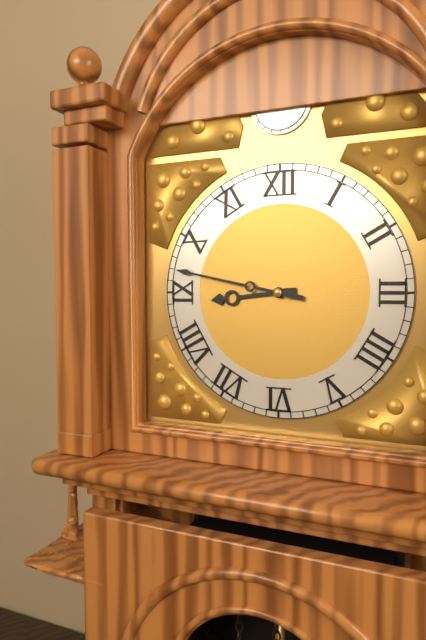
8.47
